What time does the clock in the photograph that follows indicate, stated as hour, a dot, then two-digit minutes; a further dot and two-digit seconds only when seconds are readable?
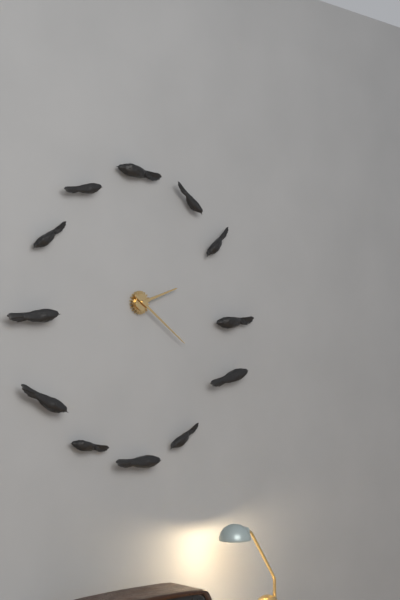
2.21
